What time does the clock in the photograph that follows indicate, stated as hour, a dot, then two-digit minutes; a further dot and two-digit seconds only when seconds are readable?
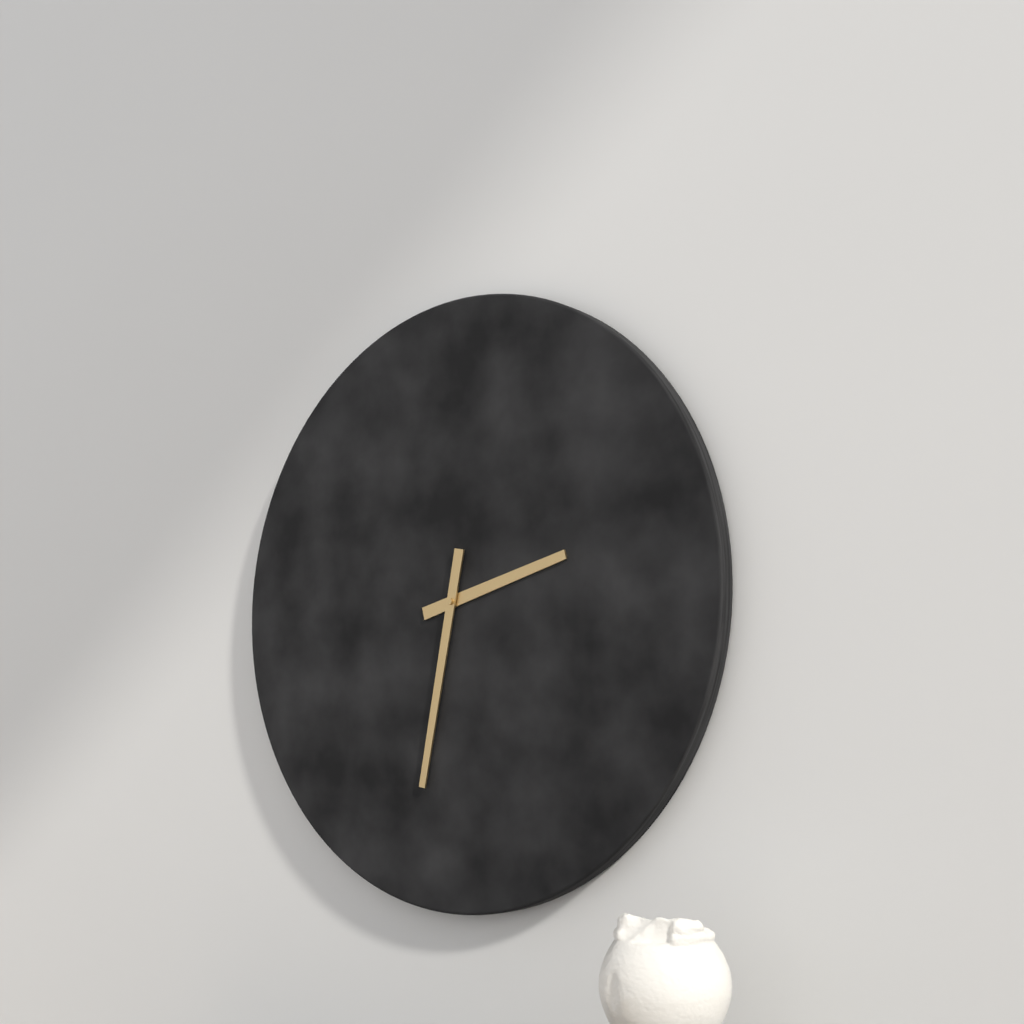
2.32
